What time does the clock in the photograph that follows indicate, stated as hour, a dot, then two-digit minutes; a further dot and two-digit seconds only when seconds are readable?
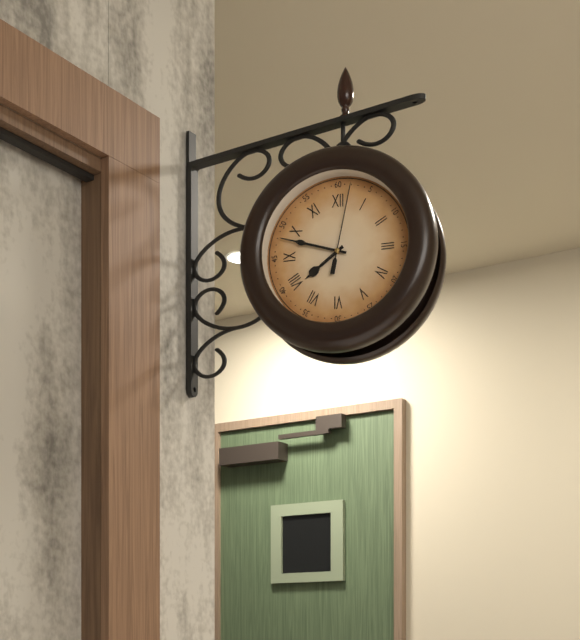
7.48.02
